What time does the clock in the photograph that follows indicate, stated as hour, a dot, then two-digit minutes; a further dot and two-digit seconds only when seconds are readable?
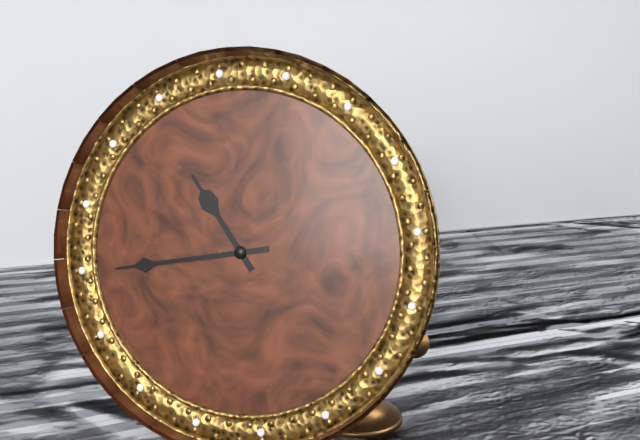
10.43
